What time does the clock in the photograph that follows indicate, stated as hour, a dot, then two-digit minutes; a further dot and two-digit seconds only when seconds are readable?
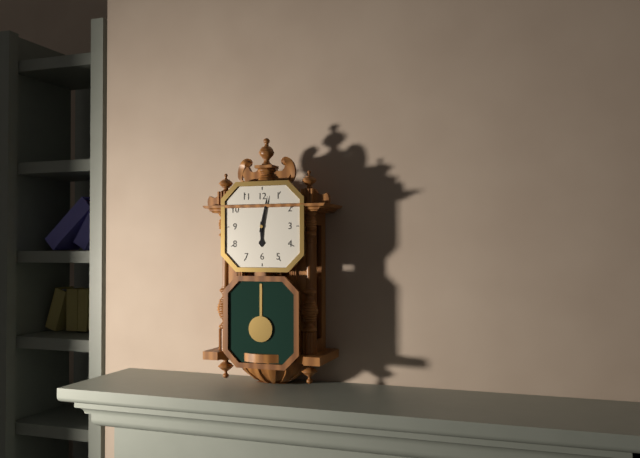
6.02
